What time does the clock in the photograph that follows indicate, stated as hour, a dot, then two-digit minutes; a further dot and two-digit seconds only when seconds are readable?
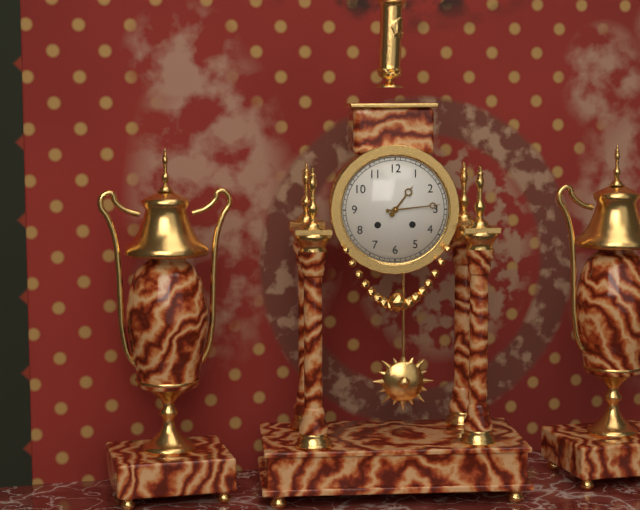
1.14
